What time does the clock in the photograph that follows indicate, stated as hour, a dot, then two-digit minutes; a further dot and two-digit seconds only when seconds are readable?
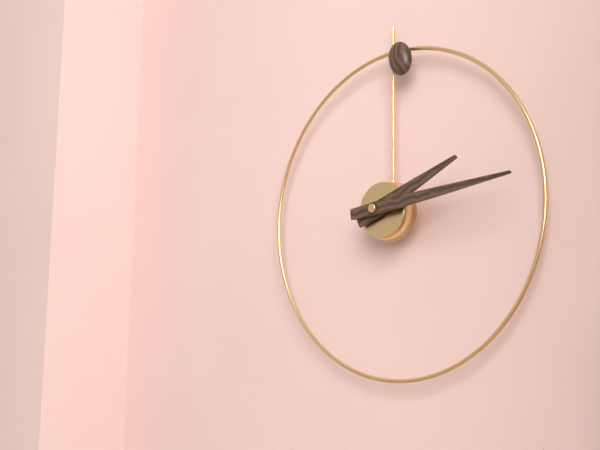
2.14
